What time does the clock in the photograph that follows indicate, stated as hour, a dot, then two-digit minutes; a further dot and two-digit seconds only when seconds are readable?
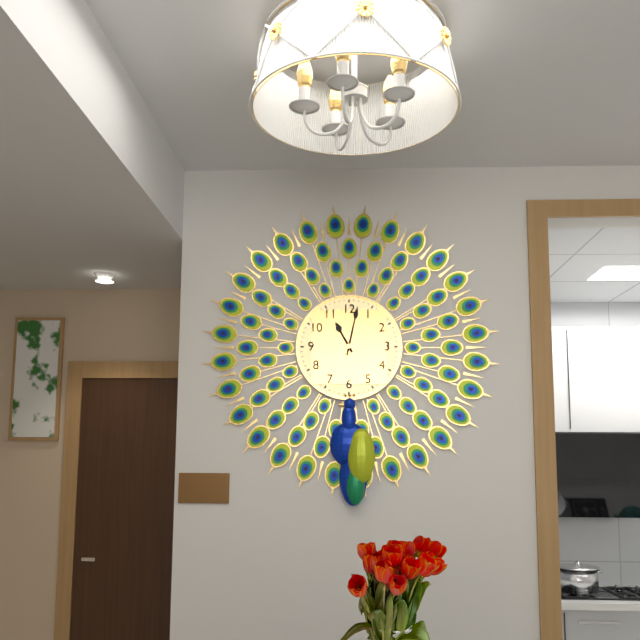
11.02
